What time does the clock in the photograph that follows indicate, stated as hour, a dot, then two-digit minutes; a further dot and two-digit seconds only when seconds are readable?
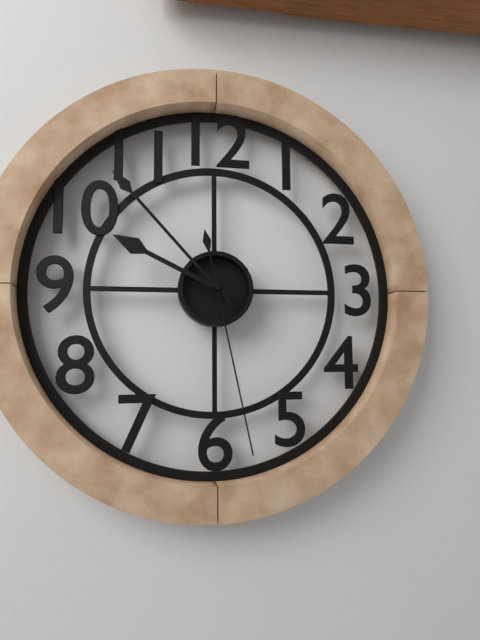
9.53.28
